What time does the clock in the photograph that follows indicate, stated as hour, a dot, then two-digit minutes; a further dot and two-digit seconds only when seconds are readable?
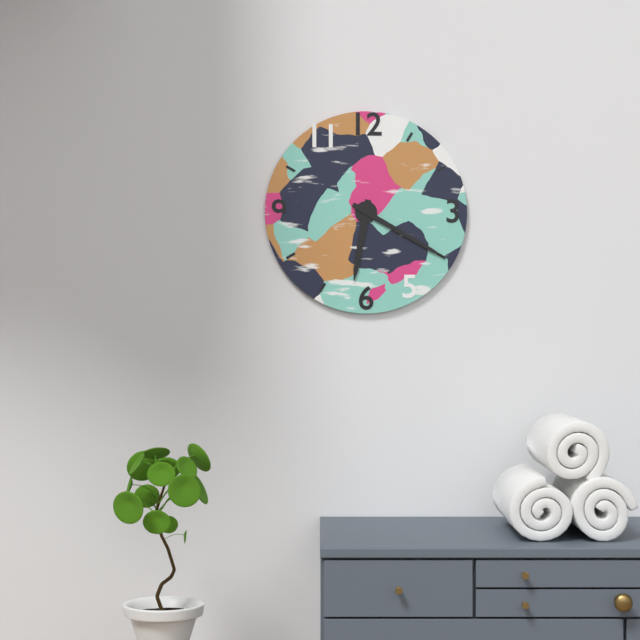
6.20
